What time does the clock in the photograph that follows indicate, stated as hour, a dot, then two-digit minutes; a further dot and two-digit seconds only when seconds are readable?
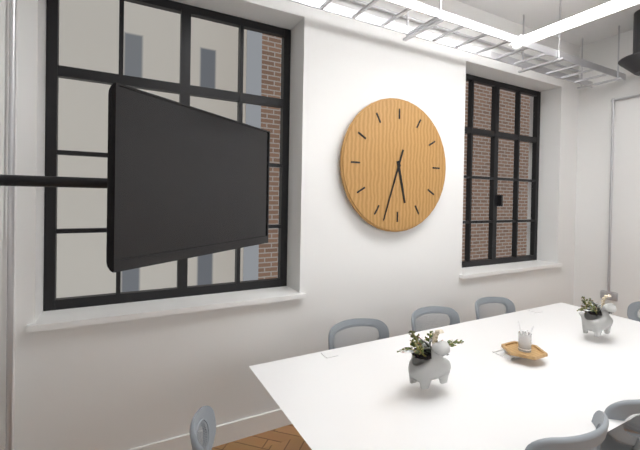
5.33
